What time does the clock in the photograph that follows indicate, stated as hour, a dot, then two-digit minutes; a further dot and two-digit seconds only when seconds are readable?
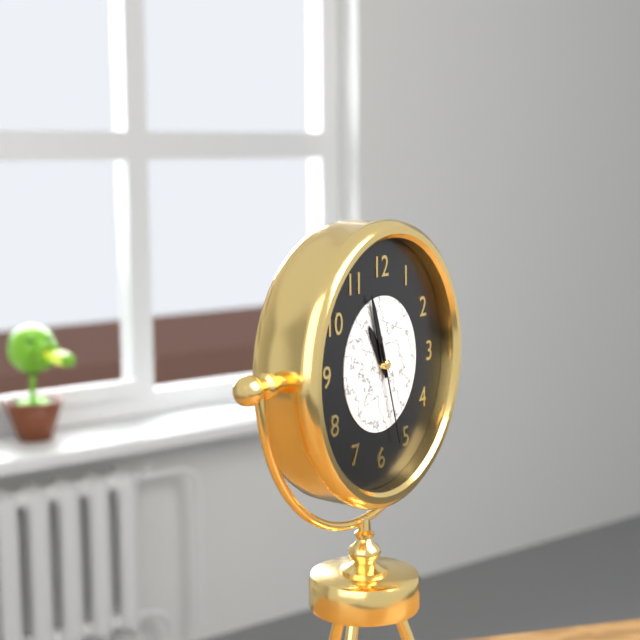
10.57.27
